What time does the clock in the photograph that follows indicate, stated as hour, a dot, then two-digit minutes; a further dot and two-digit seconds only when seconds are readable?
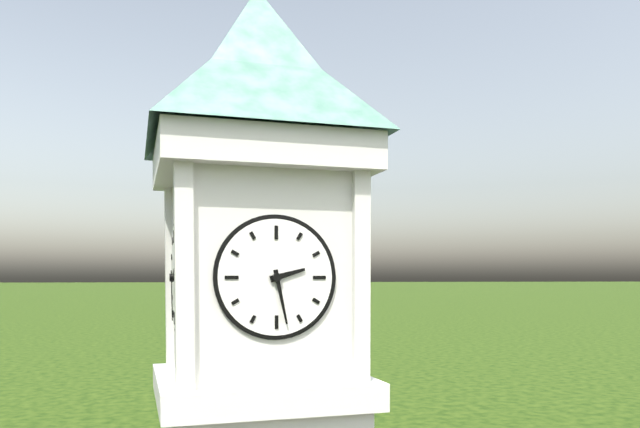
2.28
